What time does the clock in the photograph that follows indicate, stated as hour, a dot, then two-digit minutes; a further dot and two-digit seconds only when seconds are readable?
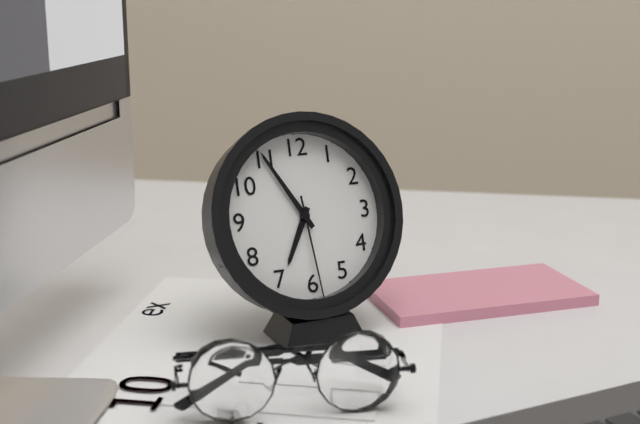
6.55.29
